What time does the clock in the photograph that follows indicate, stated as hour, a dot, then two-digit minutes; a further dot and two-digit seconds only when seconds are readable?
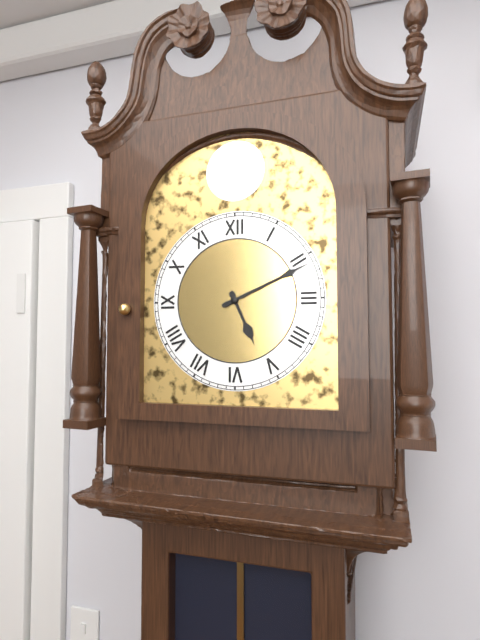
5.11
